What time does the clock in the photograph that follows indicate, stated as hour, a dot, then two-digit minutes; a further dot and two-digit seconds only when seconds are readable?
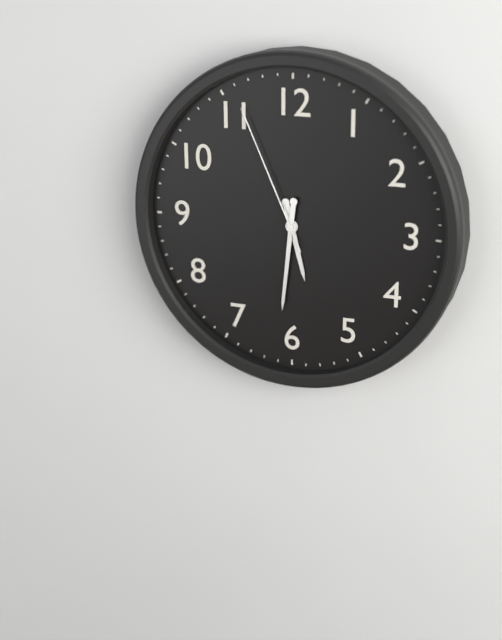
5.31.56
